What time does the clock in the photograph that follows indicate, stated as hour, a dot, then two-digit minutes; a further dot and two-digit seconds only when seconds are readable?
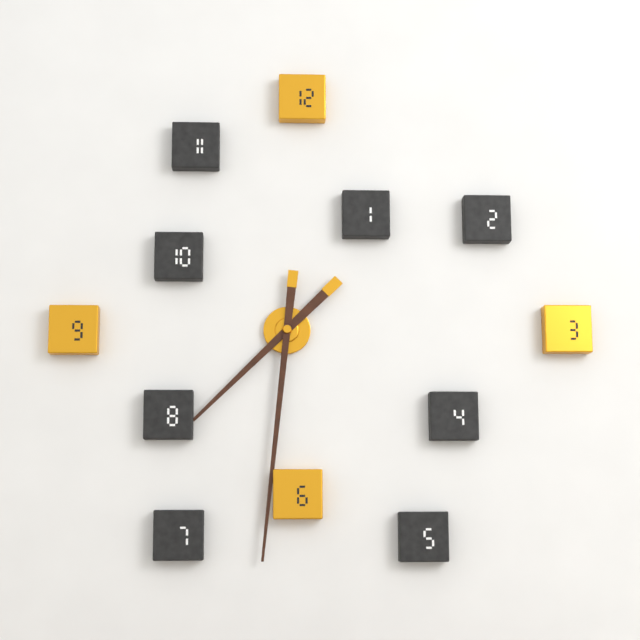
7.31
